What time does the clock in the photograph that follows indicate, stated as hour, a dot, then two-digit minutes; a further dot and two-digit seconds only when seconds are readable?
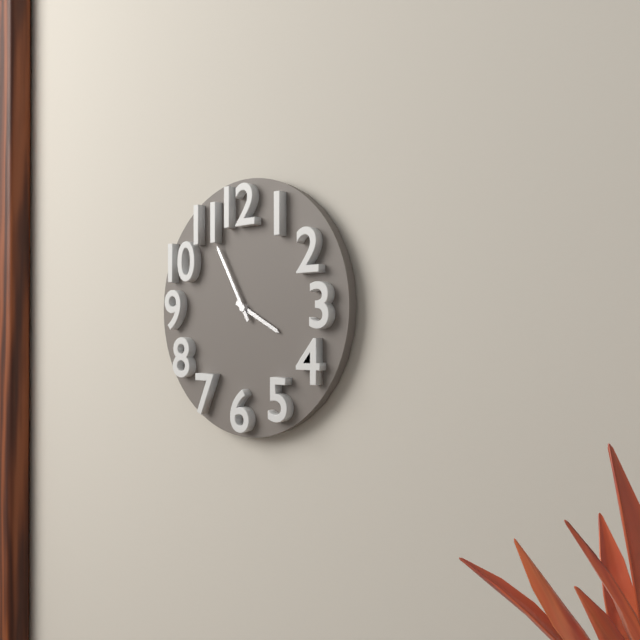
3.55
